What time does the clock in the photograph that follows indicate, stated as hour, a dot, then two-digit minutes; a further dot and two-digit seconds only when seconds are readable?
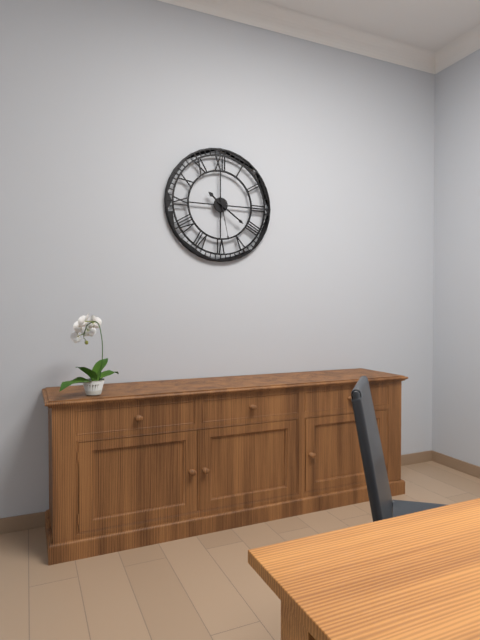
10.21
